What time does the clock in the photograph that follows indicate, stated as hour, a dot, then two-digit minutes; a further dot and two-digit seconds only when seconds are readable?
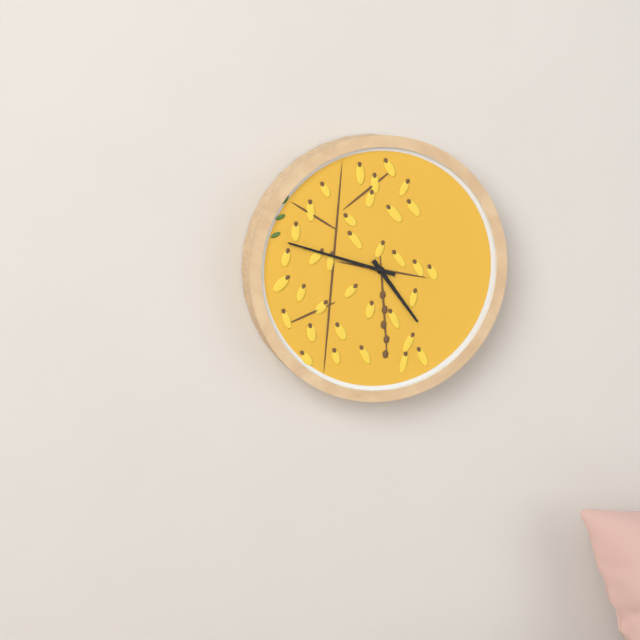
4.48
